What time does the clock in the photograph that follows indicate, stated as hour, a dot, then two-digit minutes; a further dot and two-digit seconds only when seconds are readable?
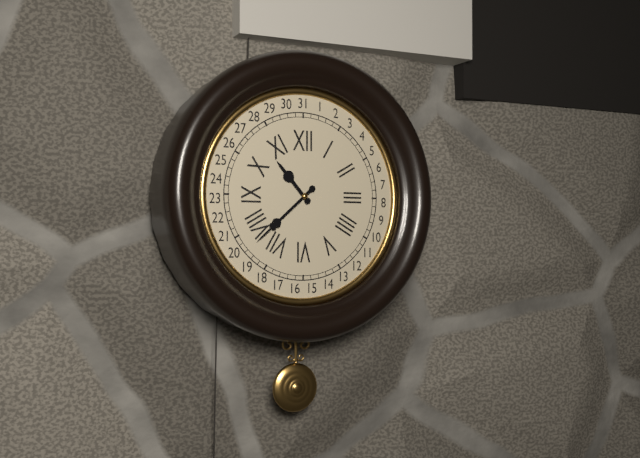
10.38
